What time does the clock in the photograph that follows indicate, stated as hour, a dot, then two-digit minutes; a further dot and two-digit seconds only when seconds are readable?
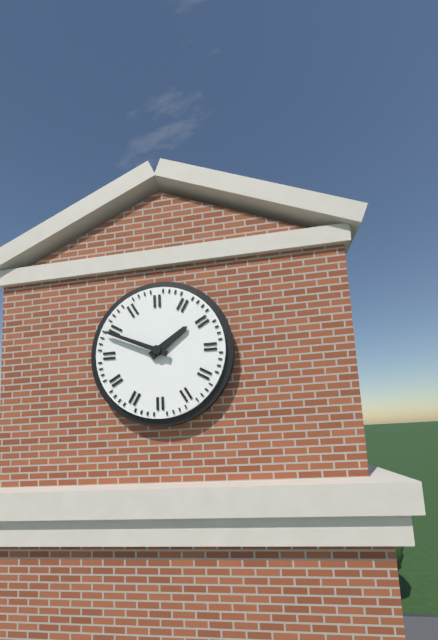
1.49
